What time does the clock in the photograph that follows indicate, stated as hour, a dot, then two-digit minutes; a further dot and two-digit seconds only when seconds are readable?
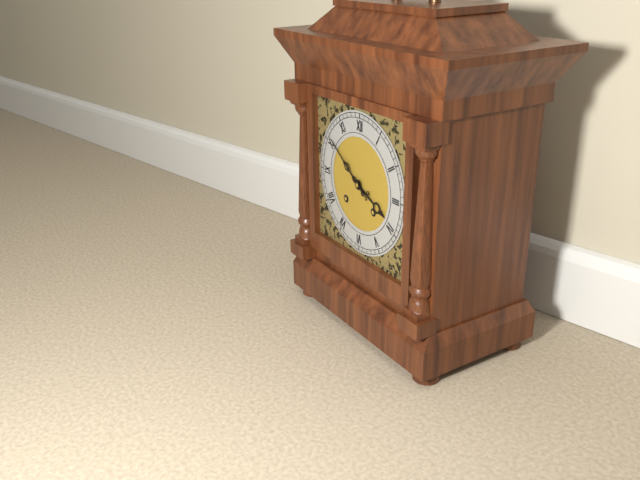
3.51
